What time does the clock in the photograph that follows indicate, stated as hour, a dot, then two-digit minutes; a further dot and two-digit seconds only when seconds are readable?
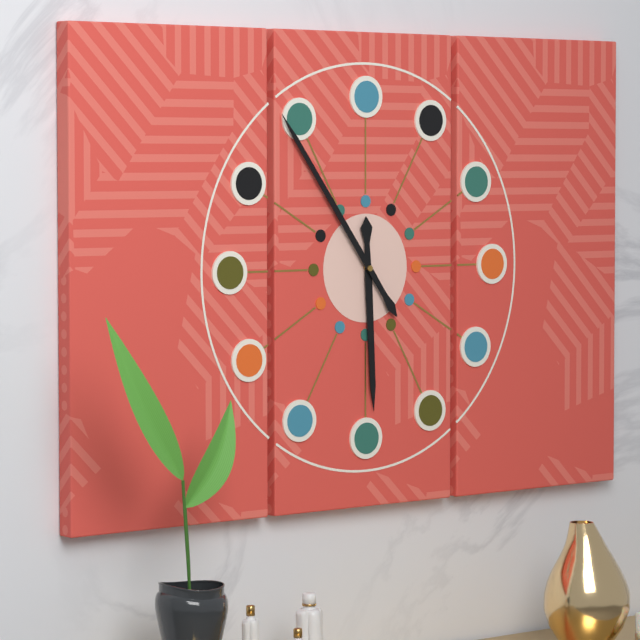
5.54
